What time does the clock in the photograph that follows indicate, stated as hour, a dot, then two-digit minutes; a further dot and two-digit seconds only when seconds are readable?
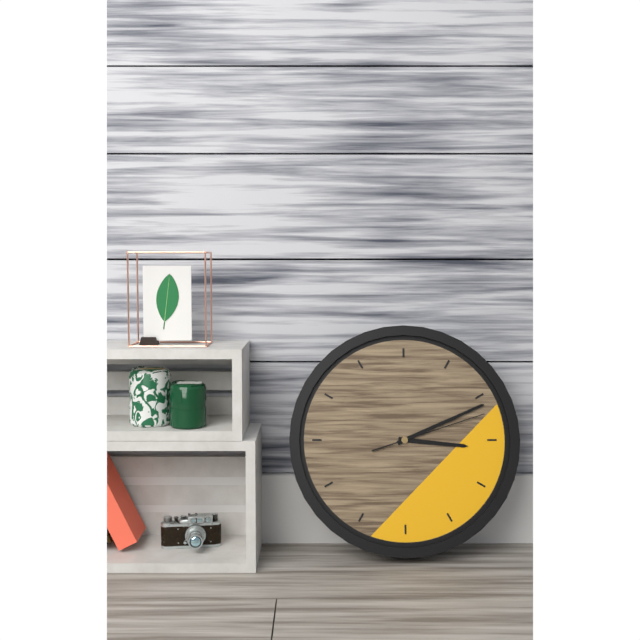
3.11.12
